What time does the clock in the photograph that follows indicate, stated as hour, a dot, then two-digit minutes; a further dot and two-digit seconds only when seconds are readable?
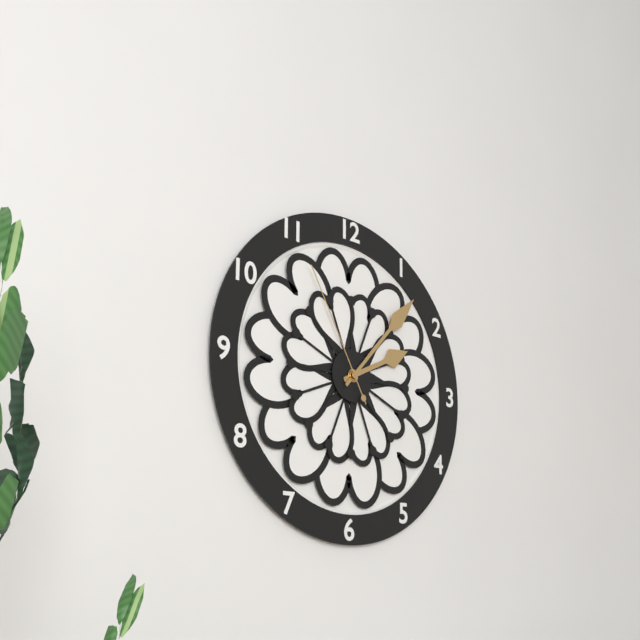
2.07.55
